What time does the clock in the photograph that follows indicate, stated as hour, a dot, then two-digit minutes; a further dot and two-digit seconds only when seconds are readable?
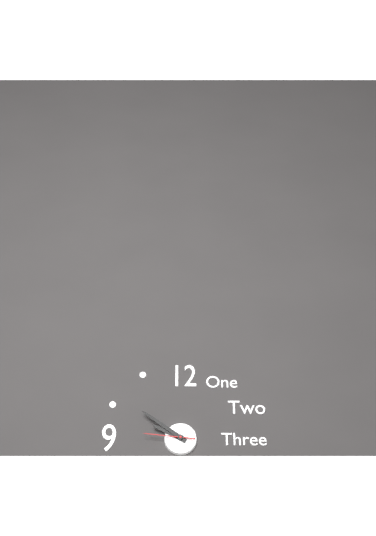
9.51
